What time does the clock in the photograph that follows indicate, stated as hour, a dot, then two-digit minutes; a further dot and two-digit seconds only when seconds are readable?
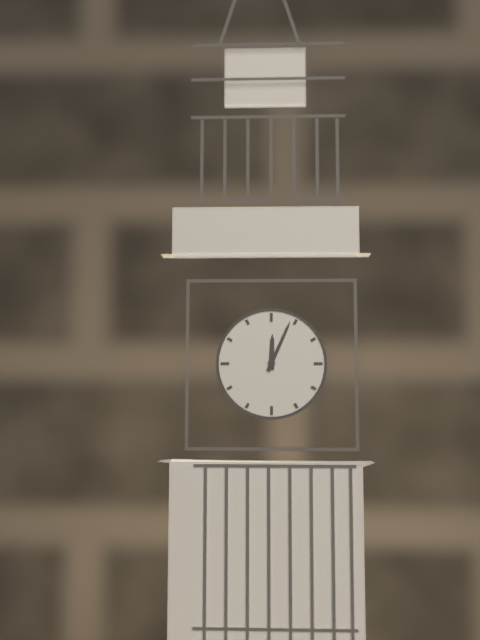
12.04
